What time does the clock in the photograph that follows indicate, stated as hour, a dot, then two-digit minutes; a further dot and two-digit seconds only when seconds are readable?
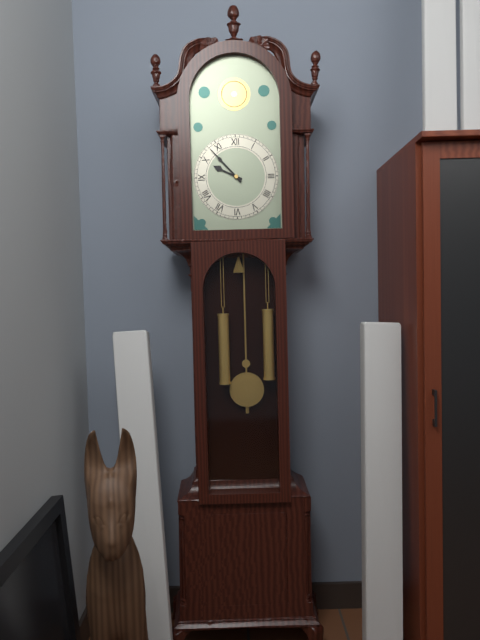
9.53
